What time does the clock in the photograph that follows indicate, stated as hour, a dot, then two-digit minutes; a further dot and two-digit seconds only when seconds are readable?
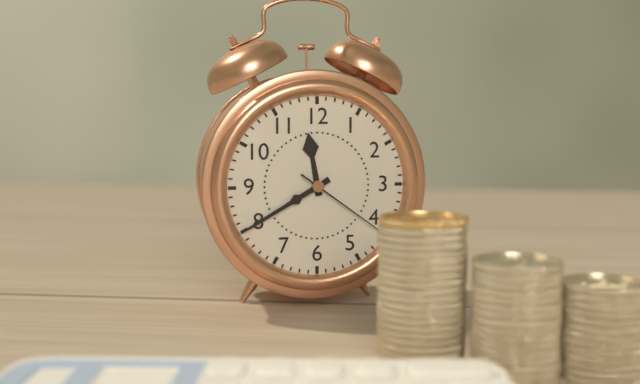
11.40.21
